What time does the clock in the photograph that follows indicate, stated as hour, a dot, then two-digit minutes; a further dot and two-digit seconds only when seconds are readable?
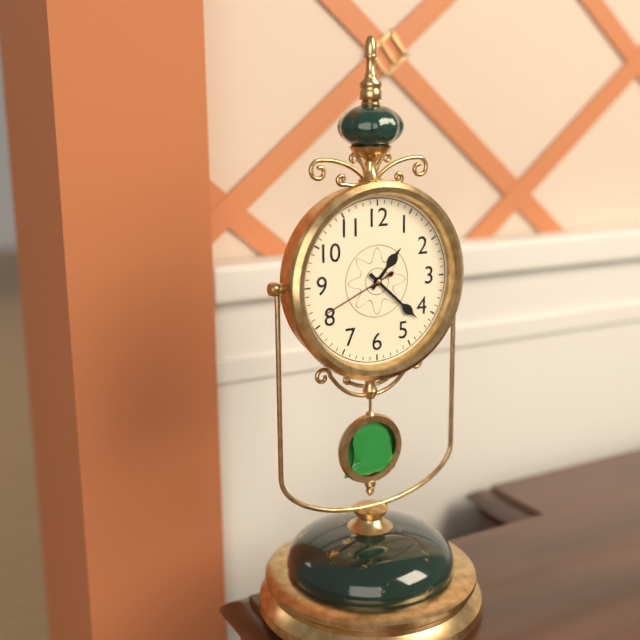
1.22.41
